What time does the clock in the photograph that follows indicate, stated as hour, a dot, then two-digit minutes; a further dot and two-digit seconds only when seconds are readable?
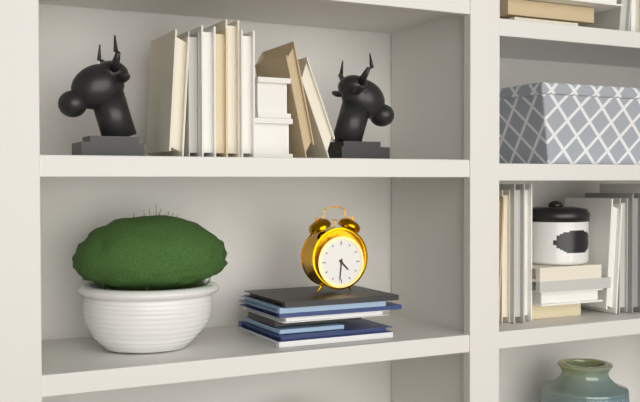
4.31
